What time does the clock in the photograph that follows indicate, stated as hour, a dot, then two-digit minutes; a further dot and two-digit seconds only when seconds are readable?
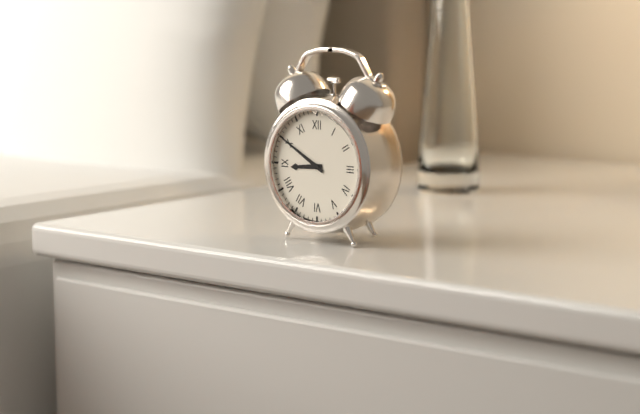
8.50
